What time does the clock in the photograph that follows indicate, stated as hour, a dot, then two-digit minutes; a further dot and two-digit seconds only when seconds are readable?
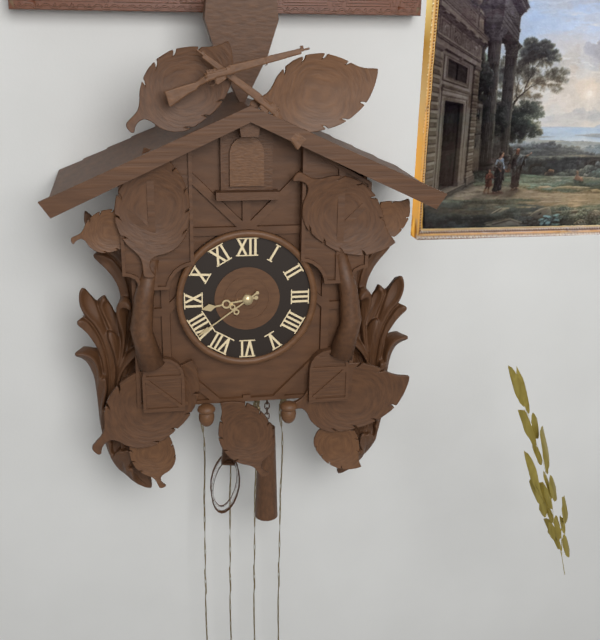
8.39
